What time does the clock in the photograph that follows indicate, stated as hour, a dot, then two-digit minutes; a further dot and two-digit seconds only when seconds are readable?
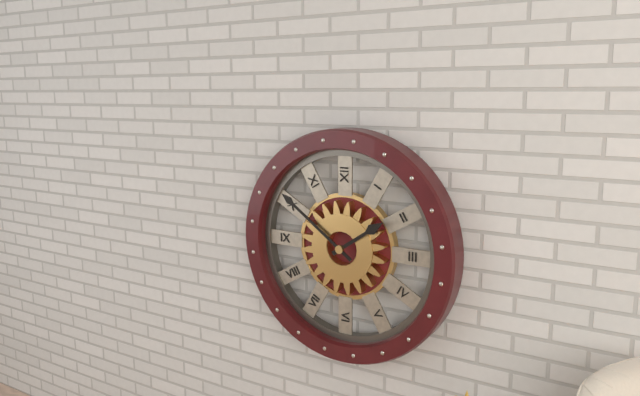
1.51
